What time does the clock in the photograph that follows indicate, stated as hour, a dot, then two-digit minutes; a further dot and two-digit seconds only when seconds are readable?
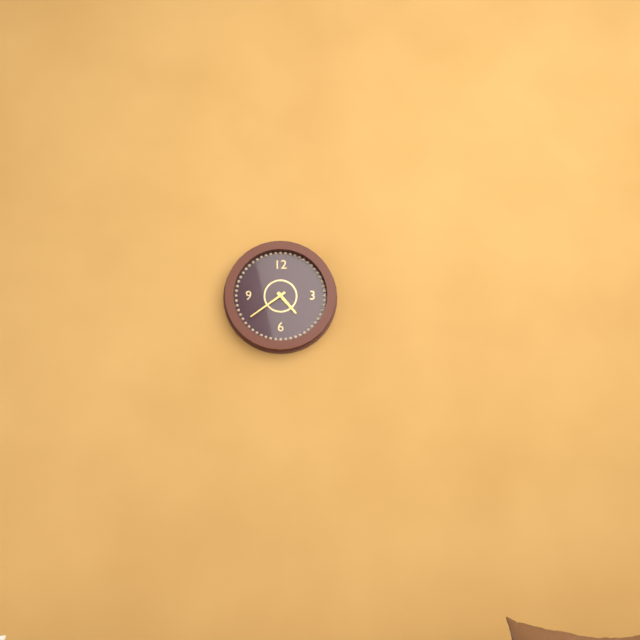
4.39
